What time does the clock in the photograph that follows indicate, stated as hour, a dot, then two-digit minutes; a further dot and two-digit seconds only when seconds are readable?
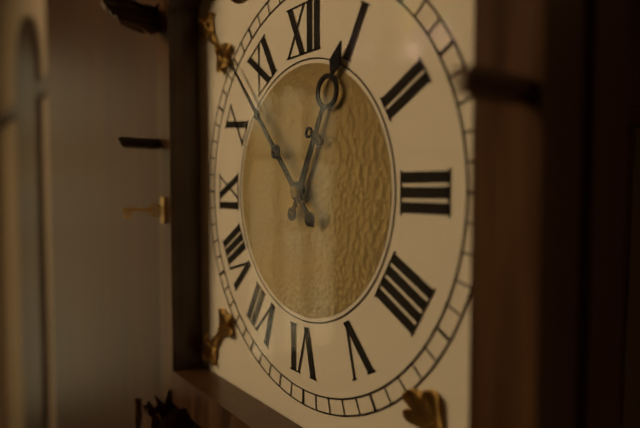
12.53
